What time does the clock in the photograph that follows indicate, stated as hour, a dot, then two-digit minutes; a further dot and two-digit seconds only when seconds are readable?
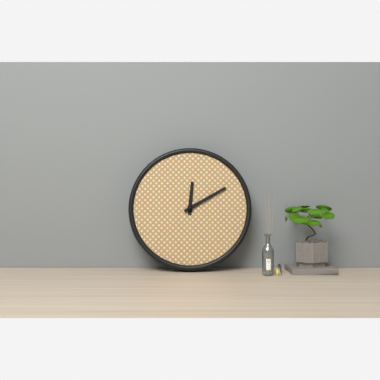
12.10
